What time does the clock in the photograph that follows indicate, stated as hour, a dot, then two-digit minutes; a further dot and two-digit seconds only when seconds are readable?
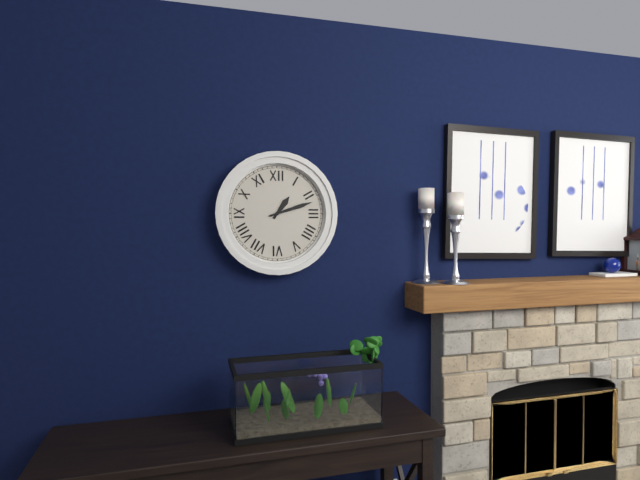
1.12
